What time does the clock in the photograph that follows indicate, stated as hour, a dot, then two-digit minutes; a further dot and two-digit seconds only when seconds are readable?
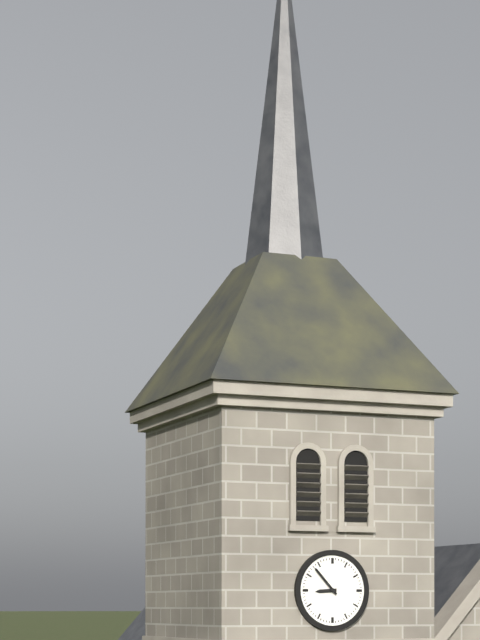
8.53
